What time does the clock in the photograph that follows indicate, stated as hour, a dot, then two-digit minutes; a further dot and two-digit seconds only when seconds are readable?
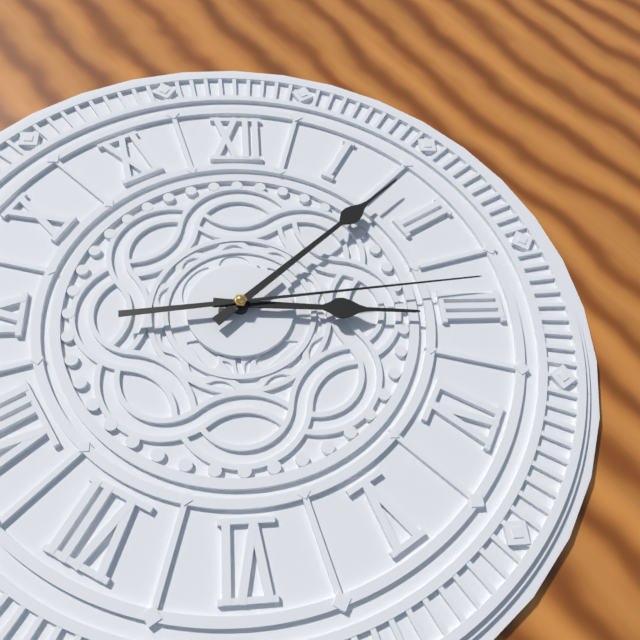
3.08.14
